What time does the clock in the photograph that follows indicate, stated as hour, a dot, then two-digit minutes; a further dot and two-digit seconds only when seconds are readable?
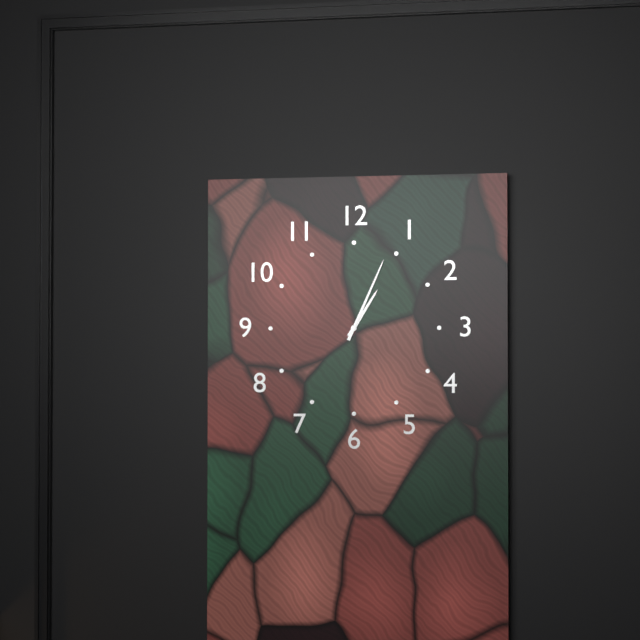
1.04
